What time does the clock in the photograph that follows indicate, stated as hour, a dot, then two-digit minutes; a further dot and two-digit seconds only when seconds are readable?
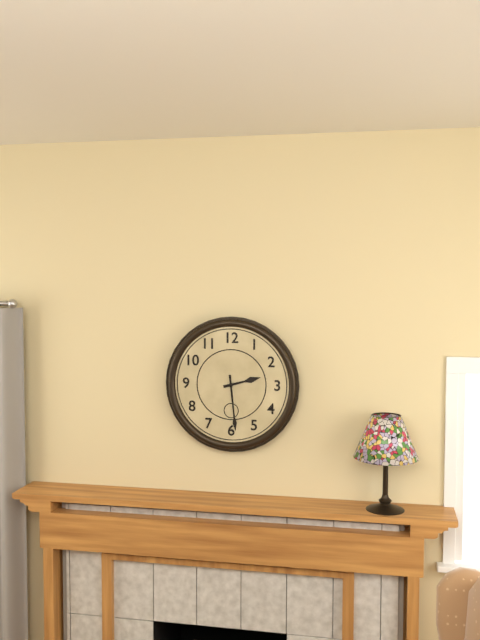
2.29
